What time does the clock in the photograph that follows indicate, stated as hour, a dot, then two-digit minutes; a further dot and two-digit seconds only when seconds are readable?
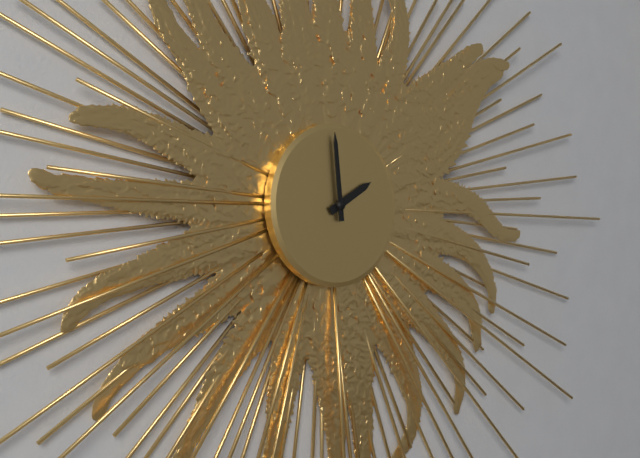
1.59
